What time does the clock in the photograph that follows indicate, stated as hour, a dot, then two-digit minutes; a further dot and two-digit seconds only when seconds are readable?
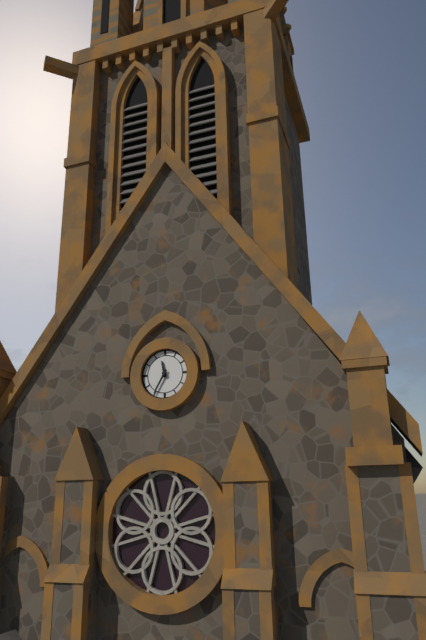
11.35
